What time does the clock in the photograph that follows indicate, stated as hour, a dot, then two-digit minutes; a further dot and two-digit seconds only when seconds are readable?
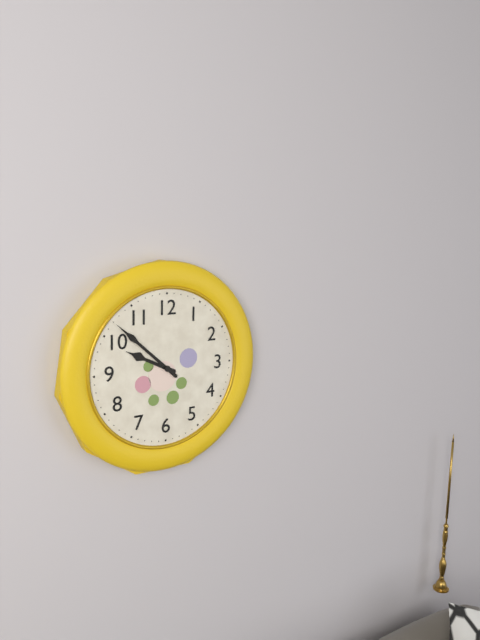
9.52
